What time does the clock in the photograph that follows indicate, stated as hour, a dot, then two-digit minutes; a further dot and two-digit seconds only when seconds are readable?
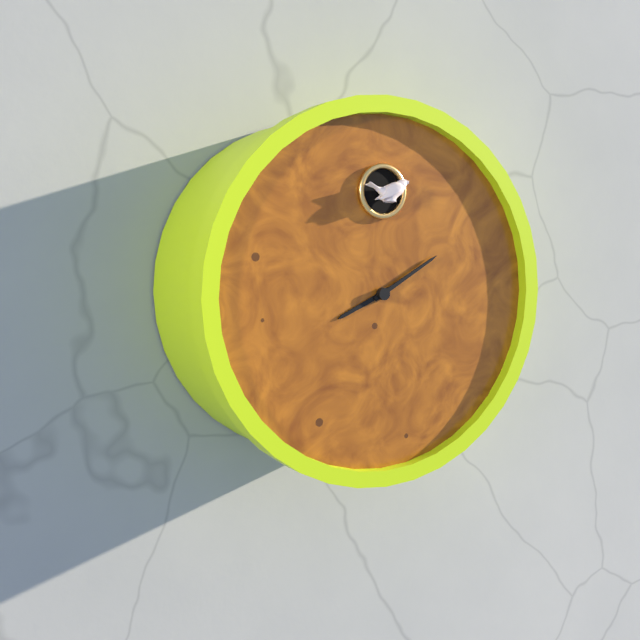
8.10
